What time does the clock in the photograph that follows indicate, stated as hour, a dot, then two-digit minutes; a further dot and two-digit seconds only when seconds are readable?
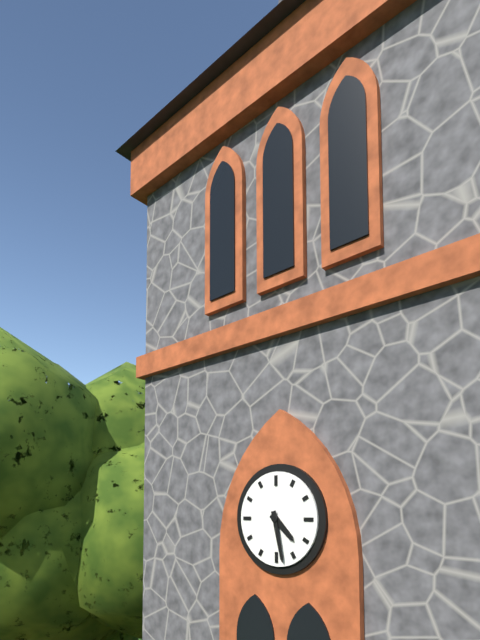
4.28
